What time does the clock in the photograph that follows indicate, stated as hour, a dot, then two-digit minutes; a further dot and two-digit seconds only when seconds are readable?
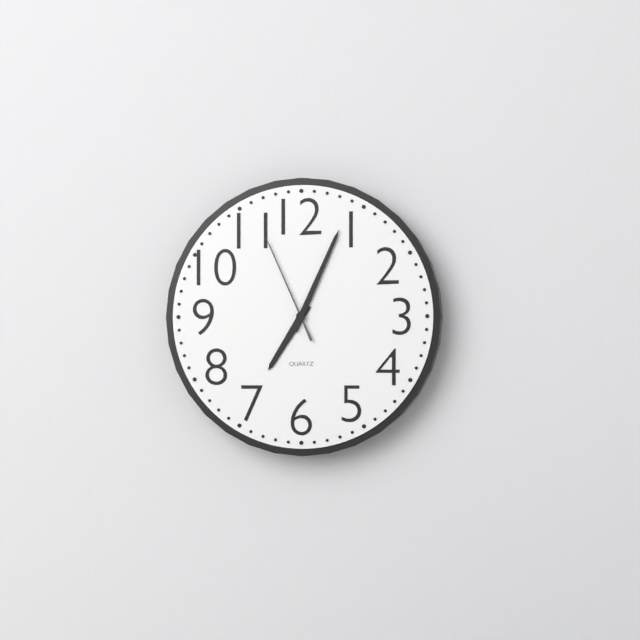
7.04.56
